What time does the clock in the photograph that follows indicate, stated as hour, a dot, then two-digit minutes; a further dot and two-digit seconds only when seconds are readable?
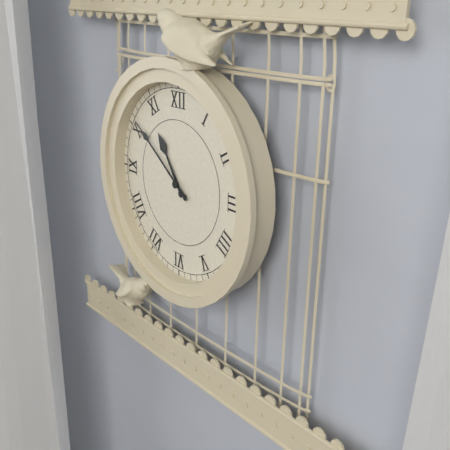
10.51
